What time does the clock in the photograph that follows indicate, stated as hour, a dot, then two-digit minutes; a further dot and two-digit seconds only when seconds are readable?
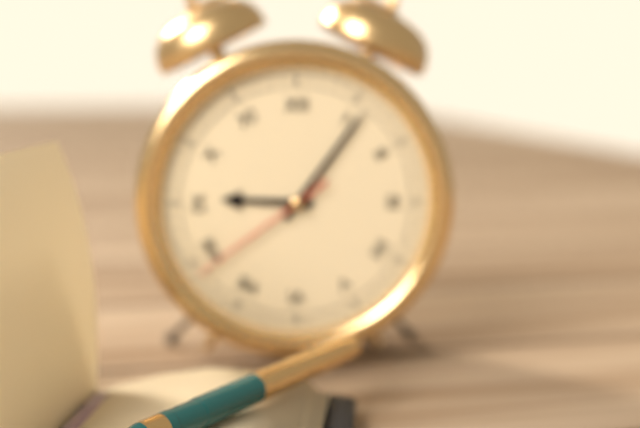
9.06.39
